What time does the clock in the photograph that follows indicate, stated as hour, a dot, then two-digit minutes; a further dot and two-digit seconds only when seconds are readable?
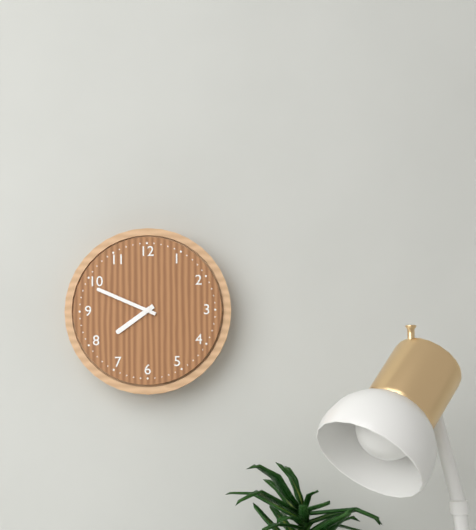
7.49
